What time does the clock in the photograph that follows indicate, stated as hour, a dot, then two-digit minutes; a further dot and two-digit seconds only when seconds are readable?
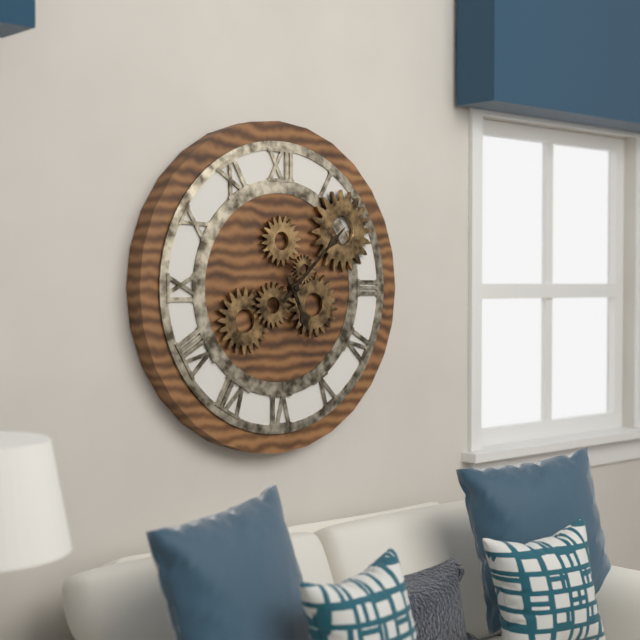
5.08
